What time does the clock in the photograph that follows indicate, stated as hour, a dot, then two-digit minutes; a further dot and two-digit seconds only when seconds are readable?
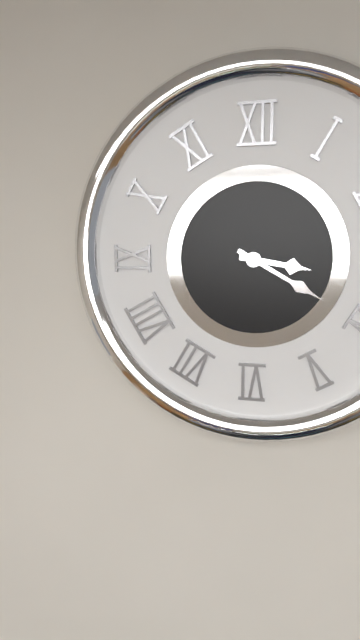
3.20
